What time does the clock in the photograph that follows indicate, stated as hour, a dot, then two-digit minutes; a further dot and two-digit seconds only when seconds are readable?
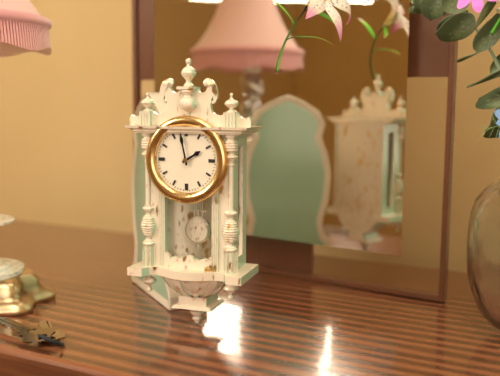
1.58
